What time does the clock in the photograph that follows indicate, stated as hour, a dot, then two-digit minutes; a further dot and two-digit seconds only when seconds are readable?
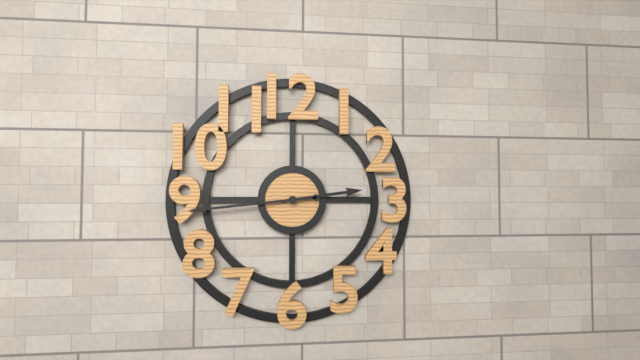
2.44
